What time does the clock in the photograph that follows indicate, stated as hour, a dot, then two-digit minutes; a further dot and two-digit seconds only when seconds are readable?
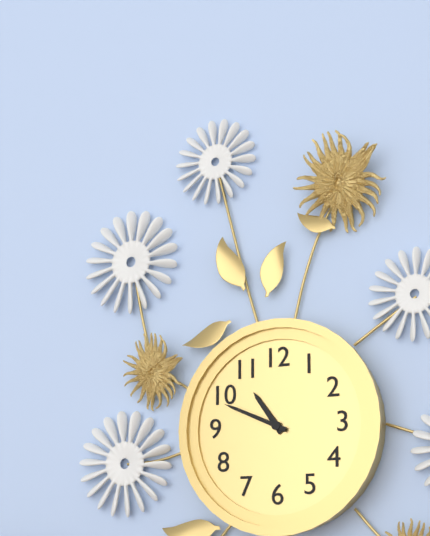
10.49
